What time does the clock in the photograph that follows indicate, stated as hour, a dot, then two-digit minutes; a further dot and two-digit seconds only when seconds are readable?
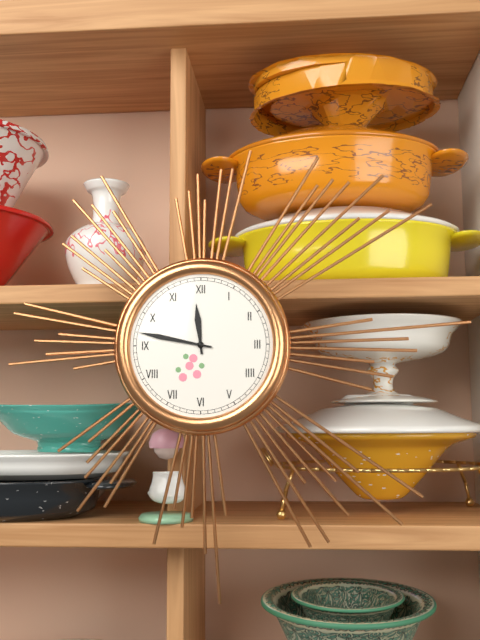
11.47
